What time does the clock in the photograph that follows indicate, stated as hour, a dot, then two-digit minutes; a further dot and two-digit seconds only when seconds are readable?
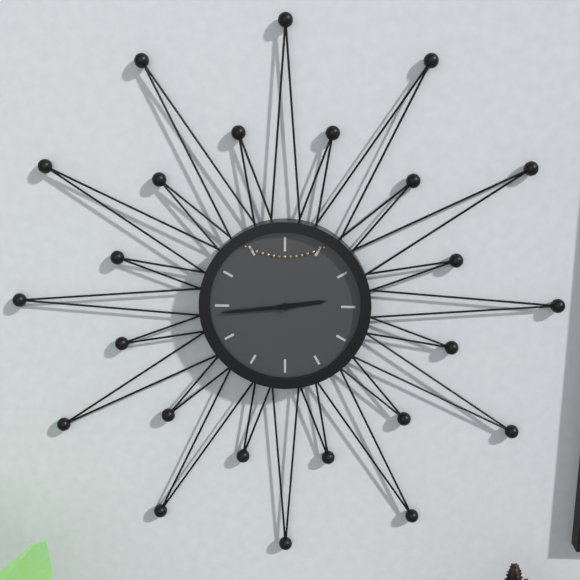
2.44
